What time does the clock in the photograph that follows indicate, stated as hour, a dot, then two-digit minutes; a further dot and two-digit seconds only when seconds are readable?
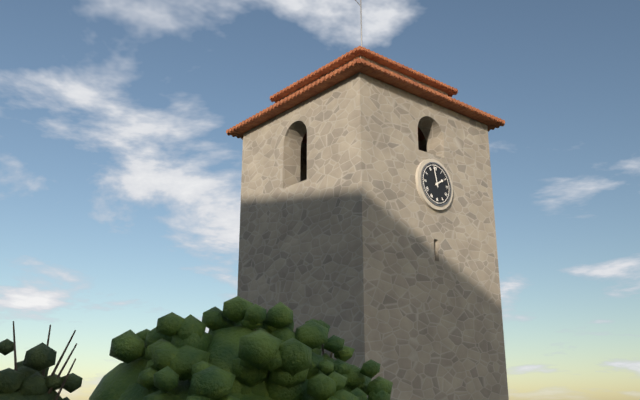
1.58
